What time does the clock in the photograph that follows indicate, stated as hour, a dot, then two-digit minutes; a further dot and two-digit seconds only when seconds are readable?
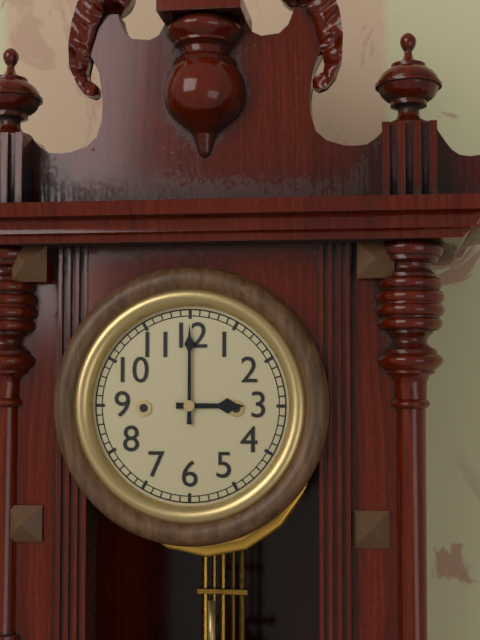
3.00
